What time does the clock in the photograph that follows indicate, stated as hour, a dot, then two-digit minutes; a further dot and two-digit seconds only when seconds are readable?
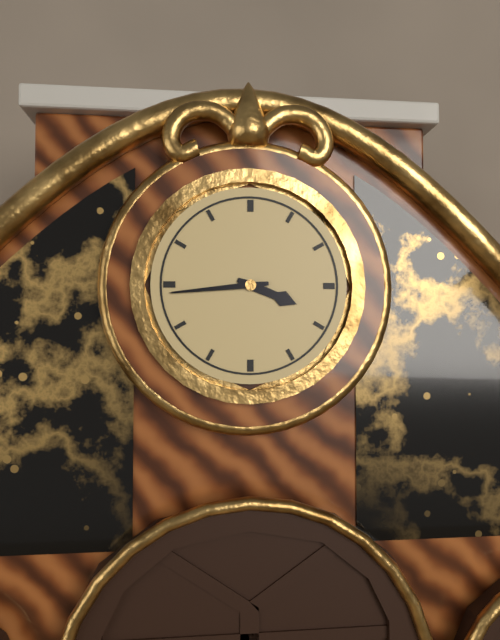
3.44
